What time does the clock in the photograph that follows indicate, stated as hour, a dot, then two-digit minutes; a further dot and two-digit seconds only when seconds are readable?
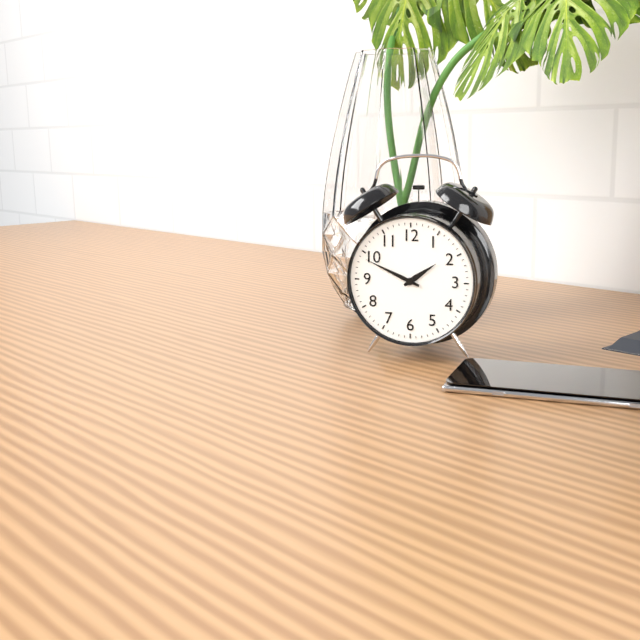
1.49
